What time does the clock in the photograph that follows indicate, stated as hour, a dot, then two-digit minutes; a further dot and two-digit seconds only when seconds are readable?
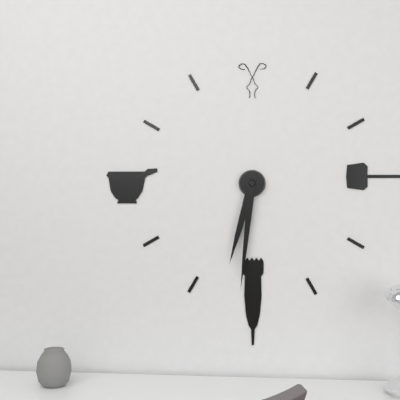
6.31
